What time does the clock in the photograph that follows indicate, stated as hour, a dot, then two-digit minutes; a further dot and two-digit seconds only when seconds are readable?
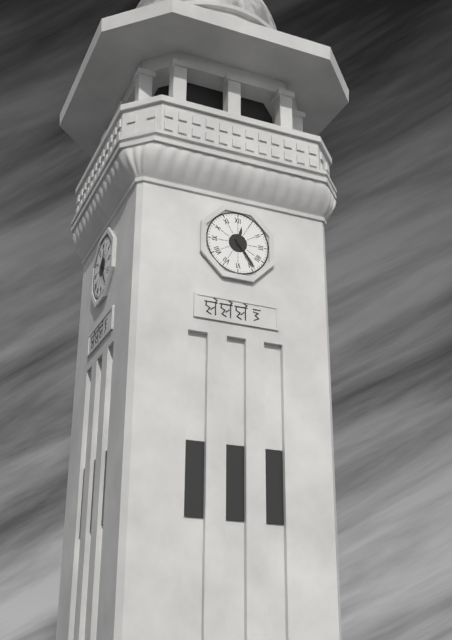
12.24
